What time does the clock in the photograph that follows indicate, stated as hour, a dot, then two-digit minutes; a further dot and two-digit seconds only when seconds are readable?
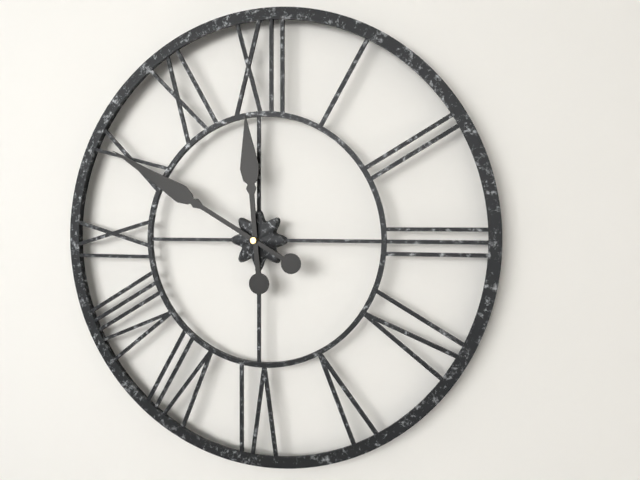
11.50
